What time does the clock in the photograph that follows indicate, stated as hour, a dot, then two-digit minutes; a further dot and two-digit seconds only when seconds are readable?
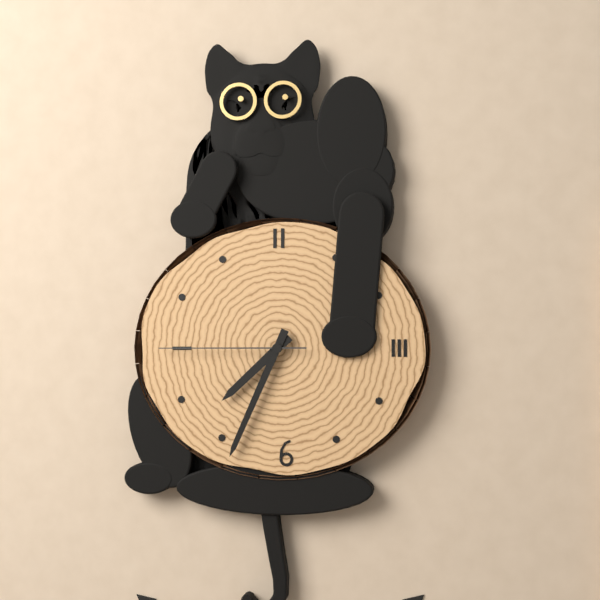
7.34.45
